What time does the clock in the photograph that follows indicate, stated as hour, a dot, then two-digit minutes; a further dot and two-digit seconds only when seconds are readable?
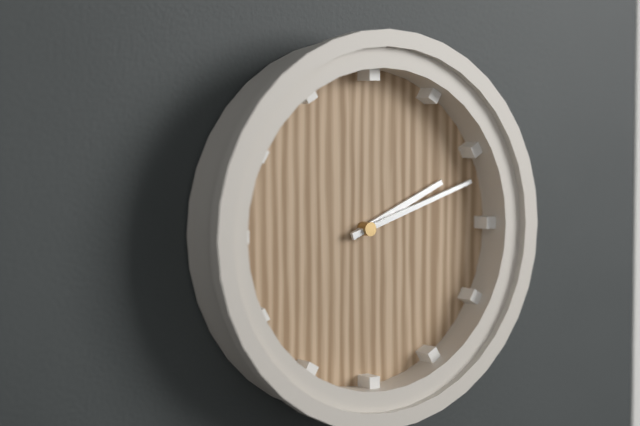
2.12
